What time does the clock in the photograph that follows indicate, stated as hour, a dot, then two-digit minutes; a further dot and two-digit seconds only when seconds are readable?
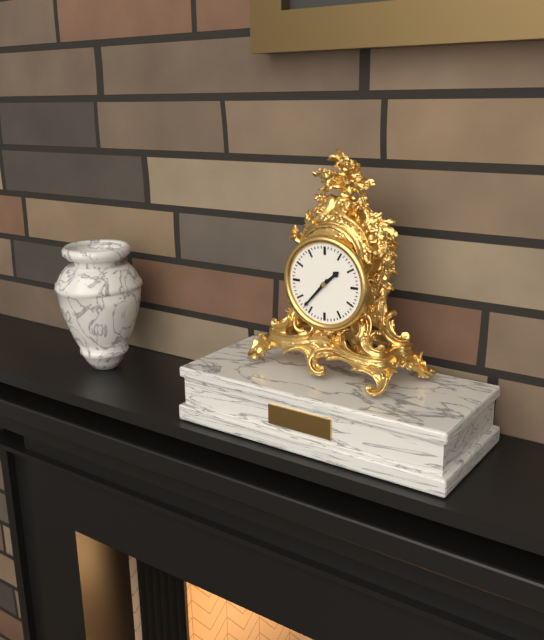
1.37
